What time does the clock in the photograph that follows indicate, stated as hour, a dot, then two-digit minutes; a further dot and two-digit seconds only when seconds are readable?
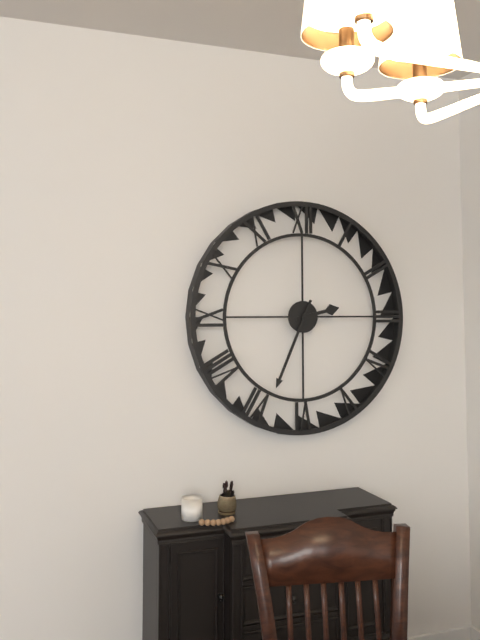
2.34
